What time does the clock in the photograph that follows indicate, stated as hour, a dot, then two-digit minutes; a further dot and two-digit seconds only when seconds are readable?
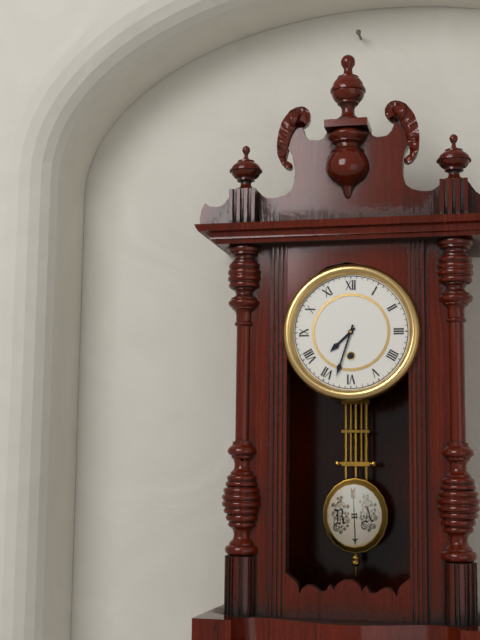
7.33
